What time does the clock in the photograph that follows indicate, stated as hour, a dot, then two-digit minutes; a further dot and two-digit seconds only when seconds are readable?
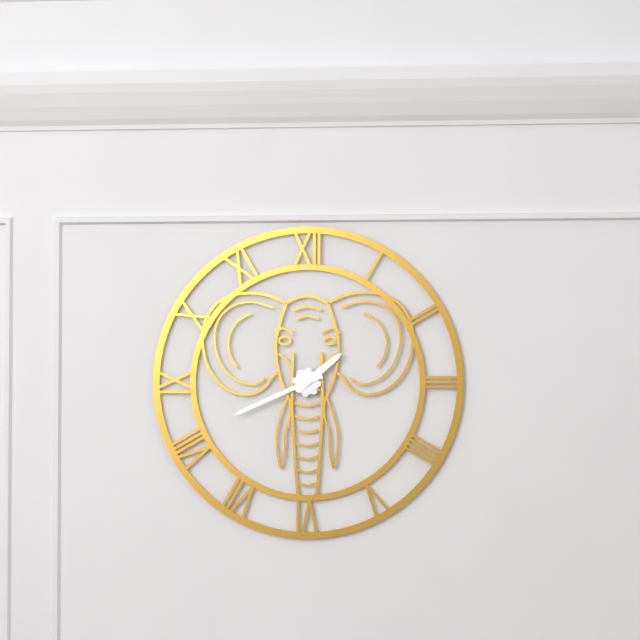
1.41
